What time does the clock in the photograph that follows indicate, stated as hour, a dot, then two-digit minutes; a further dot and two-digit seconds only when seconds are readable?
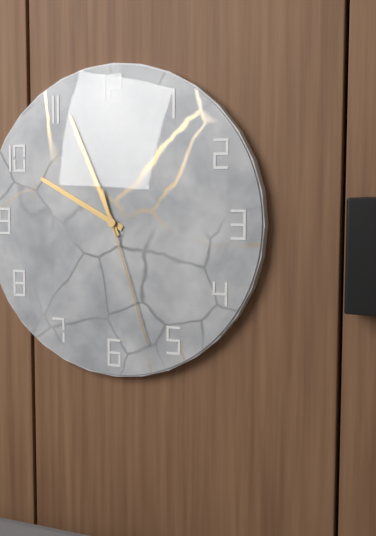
9.56.27
